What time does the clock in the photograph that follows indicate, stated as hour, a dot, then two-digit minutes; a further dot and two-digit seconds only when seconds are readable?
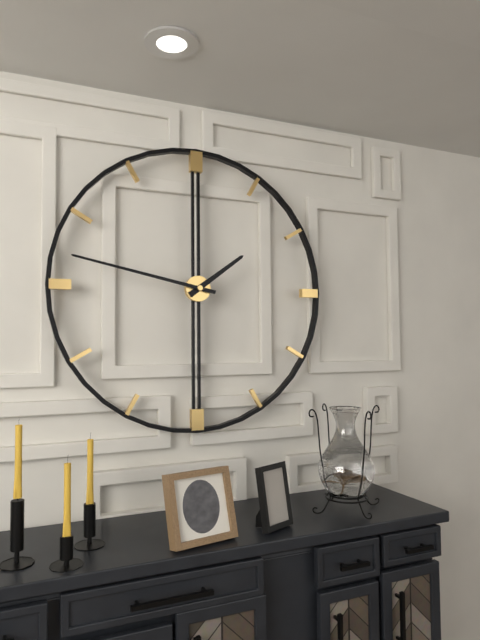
1.47
